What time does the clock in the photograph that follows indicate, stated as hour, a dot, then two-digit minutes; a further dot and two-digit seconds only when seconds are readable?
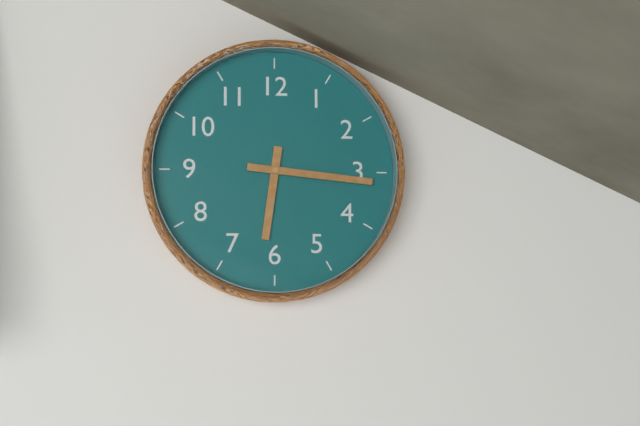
6.16
